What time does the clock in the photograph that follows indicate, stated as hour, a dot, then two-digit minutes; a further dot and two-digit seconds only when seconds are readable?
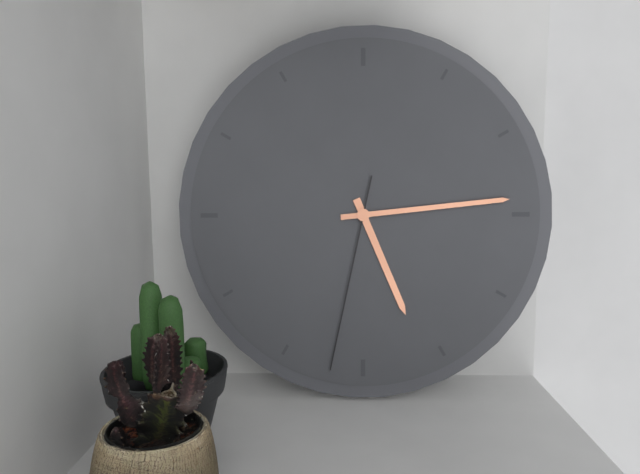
5.14.32
